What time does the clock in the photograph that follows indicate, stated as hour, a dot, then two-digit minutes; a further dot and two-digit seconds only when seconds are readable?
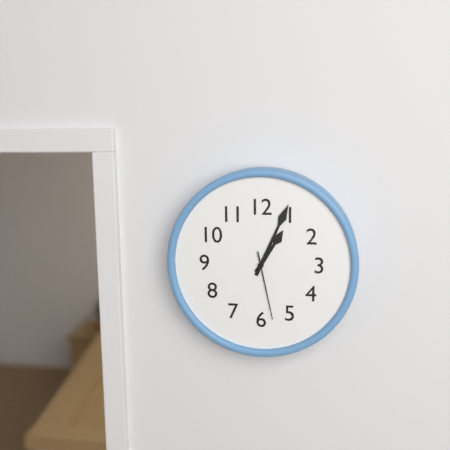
1.04.28
